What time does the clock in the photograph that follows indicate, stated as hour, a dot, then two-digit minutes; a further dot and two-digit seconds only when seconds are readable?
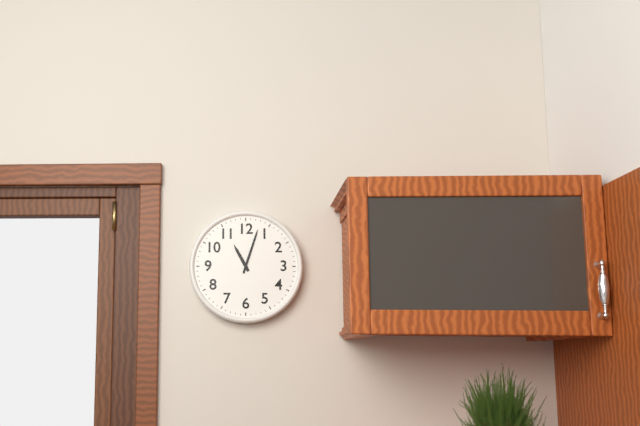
11.03
